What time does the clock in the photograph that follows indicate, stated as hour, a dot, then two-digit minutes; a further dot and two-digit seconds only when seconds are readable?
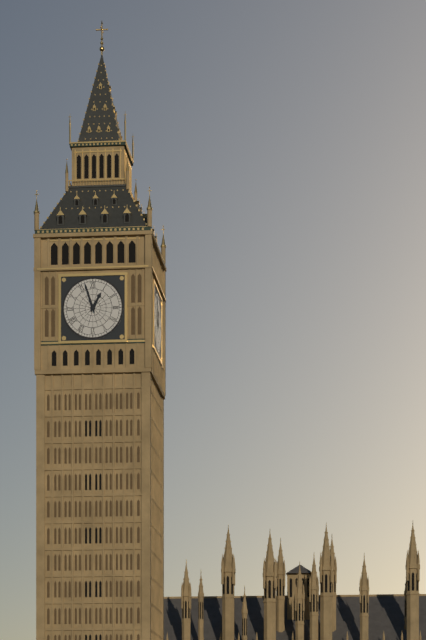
12.57
